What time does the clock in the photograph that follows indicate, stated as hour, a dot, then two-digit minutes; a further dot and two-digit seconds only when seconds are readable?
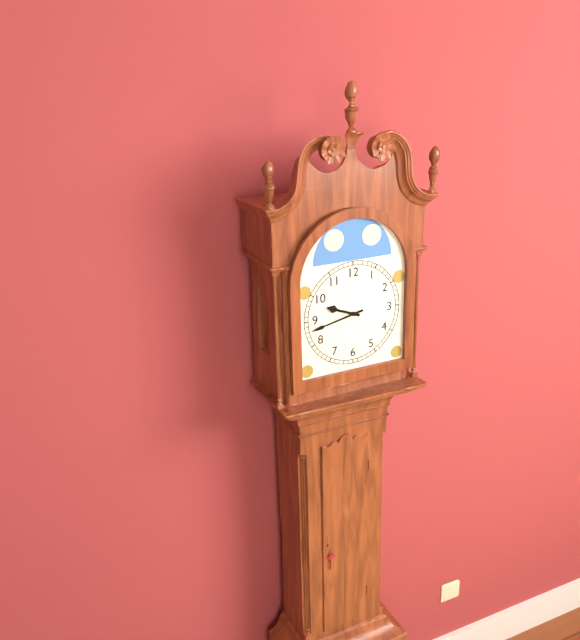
9.43
